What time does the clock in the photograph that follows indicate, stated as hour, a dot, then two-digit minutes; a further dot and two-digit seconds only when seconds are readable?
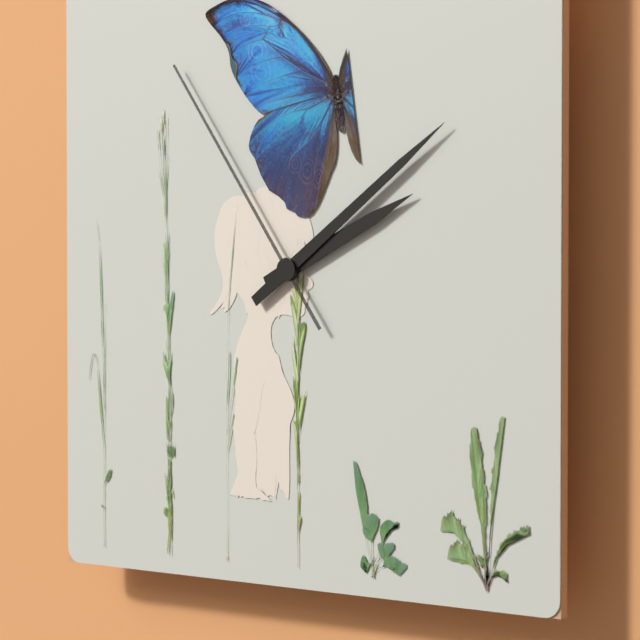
2.09.54
